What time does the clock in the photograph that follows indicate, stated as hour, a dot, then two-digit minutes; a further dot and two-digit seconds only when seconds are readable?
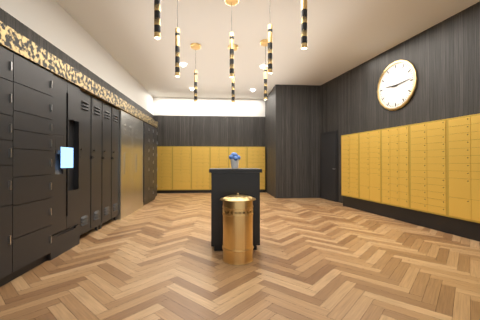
9.14
